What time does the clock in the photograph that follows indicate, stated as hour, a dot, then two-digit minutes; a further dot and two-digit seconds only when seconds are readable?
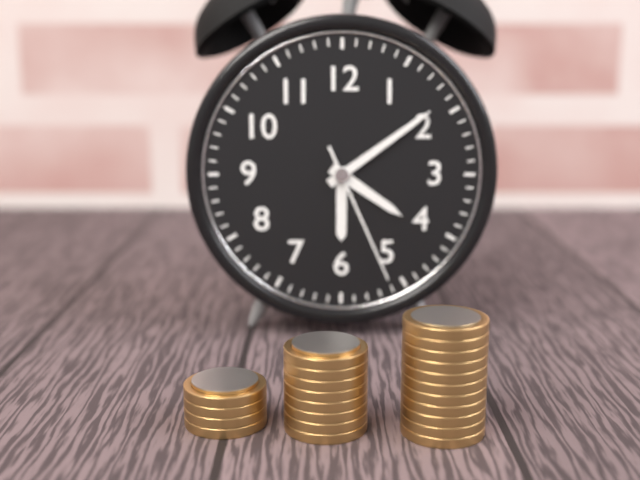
4.09.26
